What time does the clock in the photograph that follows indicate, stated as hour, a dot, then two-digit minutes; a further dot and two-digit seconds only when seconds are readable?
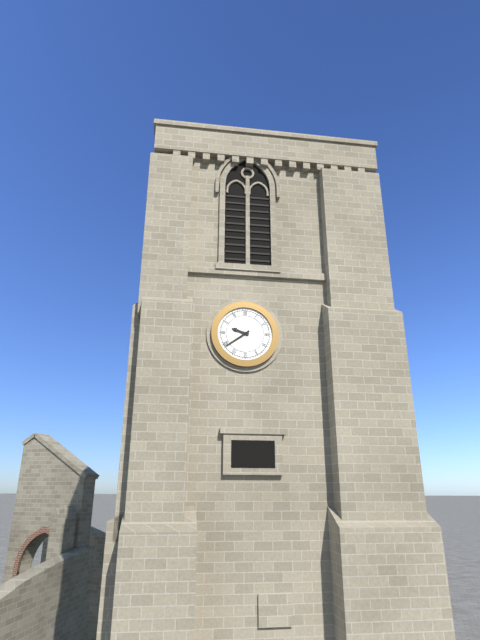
9.39
